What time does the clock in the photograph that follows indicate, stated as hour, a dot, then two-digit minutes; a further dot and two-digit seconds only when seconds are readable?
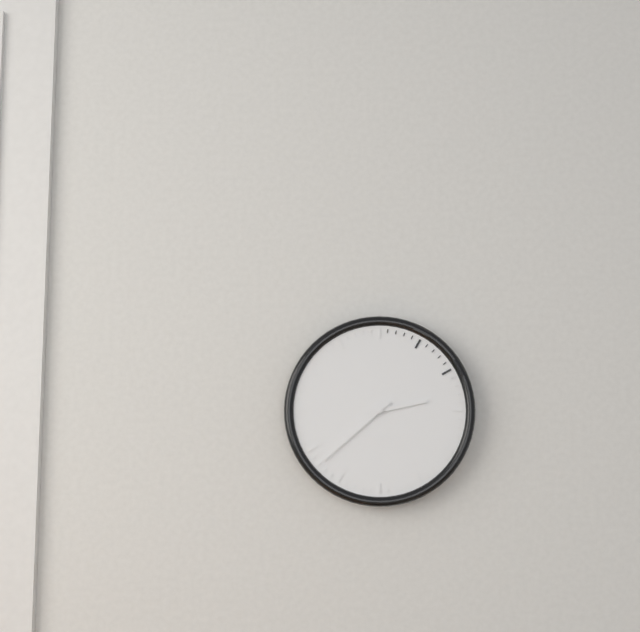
2.38
